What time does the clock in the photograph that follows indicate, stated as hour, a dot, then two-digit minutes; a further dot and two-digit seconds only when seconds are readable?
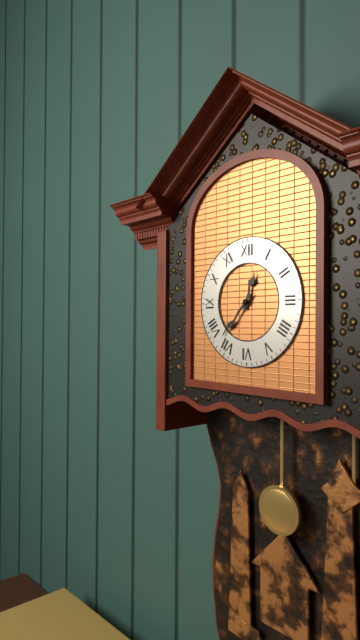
12.37
